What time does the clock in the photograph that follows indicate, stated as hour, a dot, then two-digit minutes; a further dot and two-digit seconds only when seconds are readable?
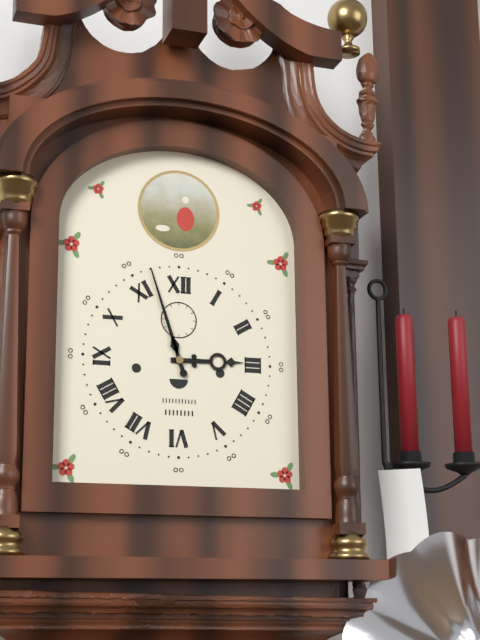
2.57
